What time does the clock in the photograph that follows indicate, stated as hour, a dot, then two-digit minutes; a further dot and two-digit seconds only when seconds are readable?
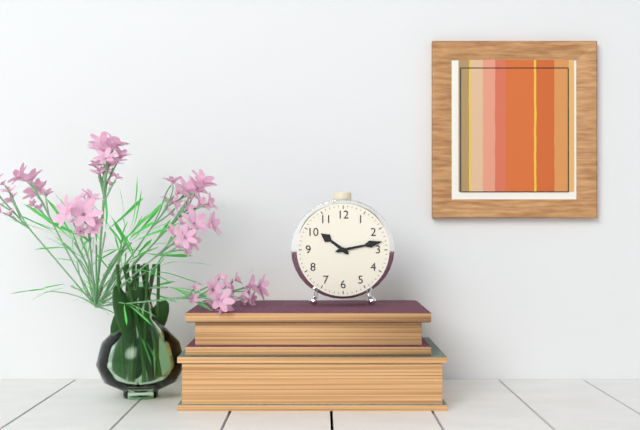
10.13
